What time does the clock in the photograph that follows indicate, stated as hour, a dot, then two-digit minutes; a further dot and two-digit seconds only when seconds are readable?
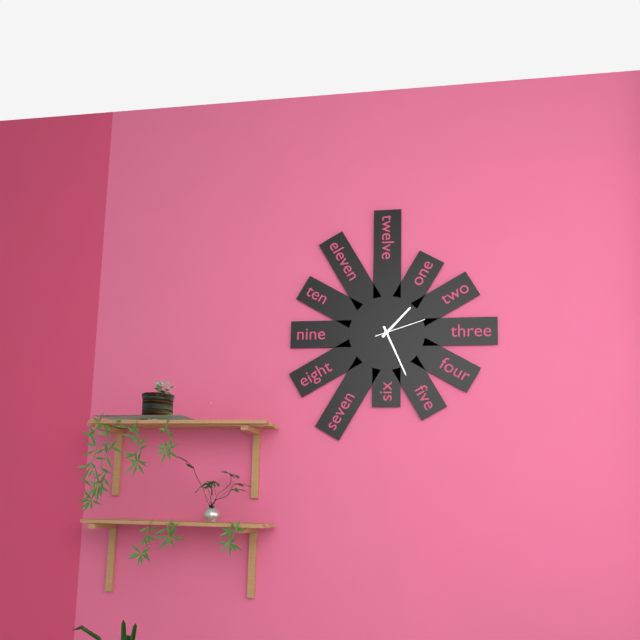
1.26.12
